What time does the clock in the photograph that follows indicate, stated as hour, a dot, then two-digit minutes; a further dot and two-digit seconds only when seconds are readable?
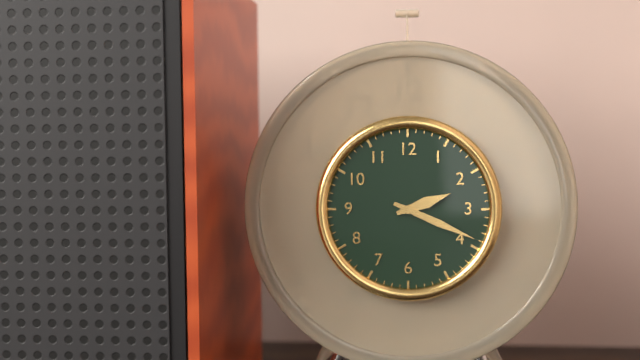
2.19
